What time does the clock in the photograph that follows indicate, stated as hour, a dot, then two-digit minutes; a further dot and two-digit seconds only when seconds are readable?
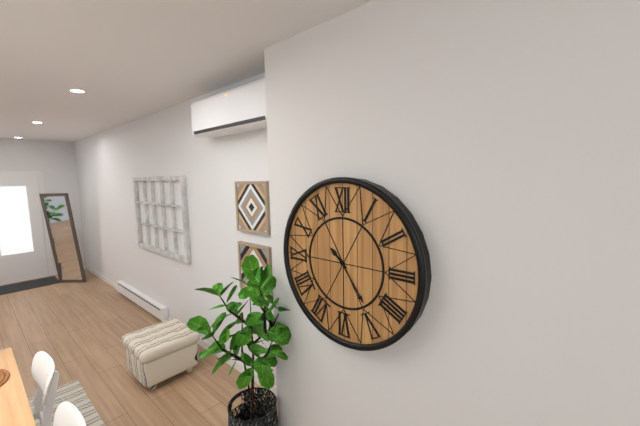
10.24
